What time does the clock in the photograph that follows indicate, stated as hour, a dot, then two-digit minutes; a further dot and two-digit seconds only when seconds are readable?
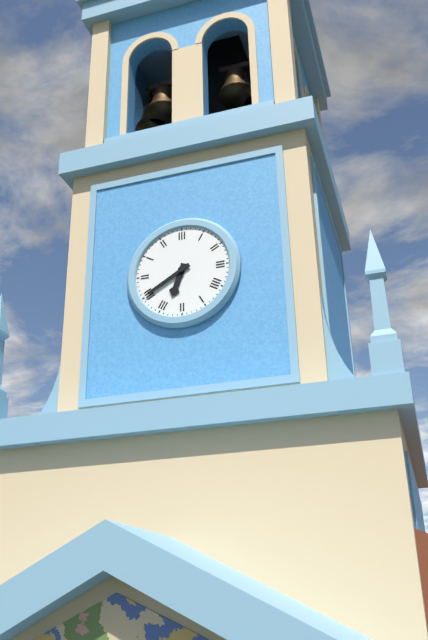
6.40
